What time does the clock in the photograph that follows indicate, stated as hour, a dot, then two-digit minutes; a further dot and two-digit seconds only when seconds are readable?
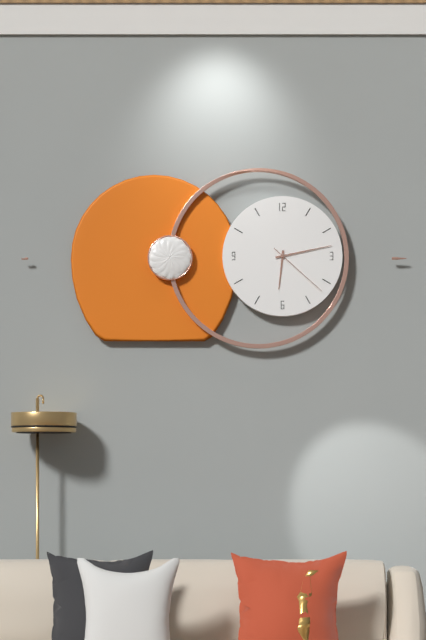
6.13.22
